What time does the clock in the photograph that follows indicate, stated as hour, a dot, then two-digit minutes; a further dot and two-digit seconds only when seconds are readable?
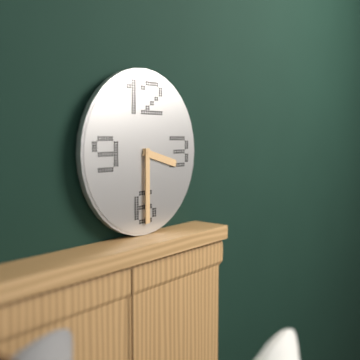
3.30
